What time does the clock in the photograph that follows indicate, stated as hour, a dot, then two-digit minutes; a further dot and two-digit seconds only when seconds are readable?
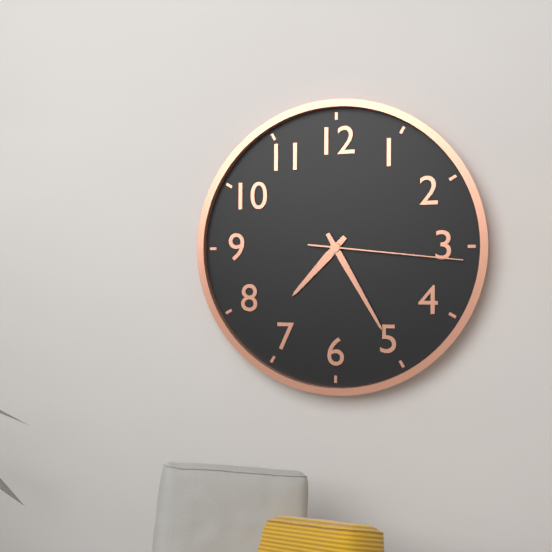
7.25.16
